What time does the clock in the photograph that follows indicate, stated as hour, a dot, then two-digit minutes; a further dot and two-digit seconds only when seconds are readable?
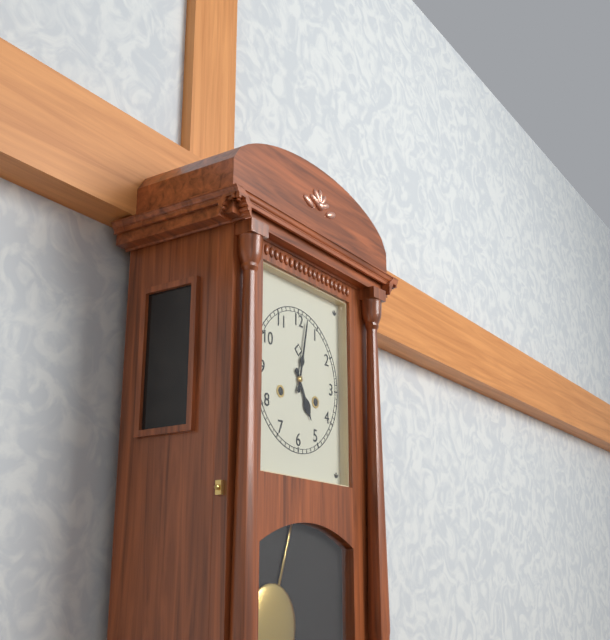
5.02
